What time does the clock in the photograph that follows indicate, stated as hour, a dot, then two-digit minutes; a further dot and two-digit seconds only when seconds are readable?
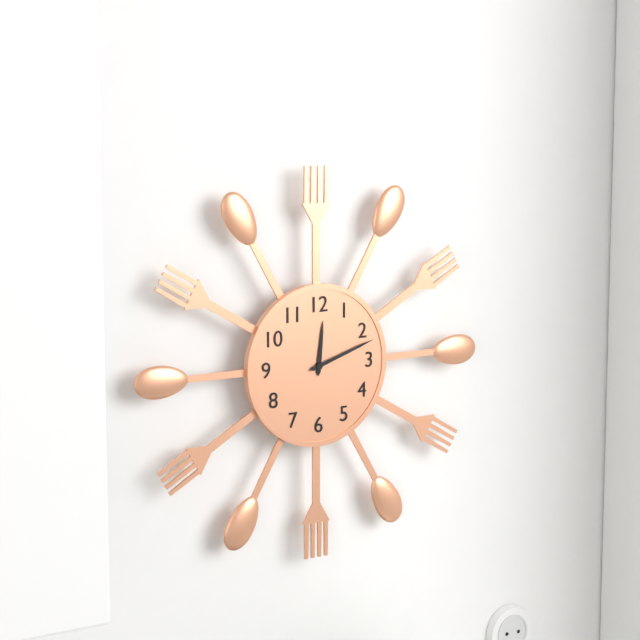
12.12
